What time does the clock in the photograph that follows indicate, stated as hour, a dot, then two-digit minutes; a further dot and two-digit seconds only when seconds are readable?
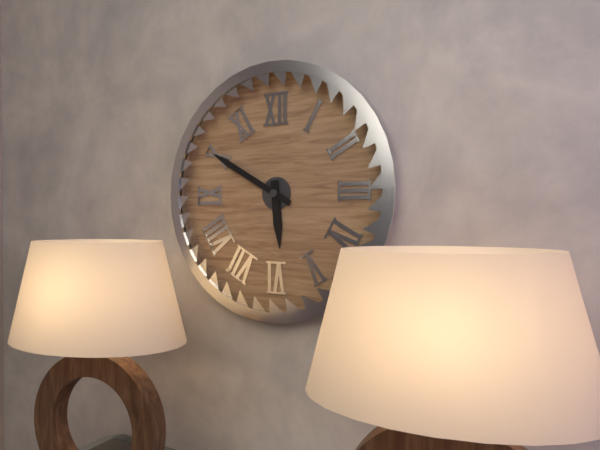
5.50
